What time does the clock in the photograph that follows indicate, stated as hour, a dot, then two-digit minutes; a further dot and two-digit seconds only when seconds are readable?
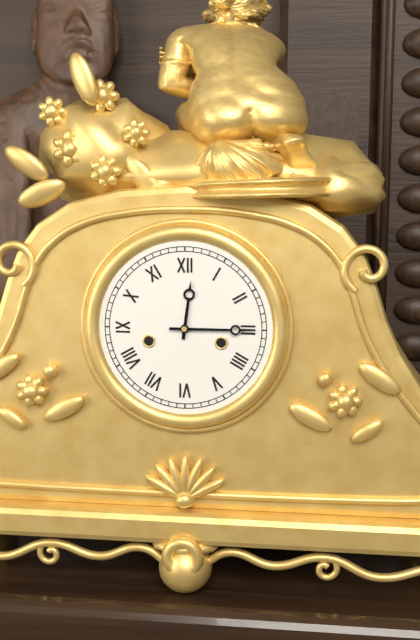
12.15
